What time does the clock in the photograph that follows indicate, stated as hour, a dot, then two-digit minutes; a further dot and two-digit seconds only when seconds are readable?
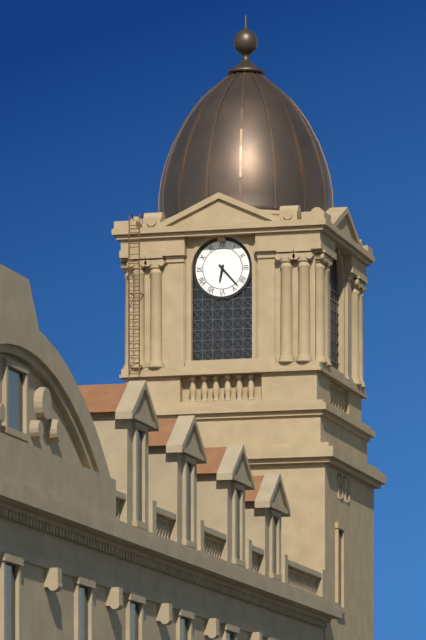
6.23
